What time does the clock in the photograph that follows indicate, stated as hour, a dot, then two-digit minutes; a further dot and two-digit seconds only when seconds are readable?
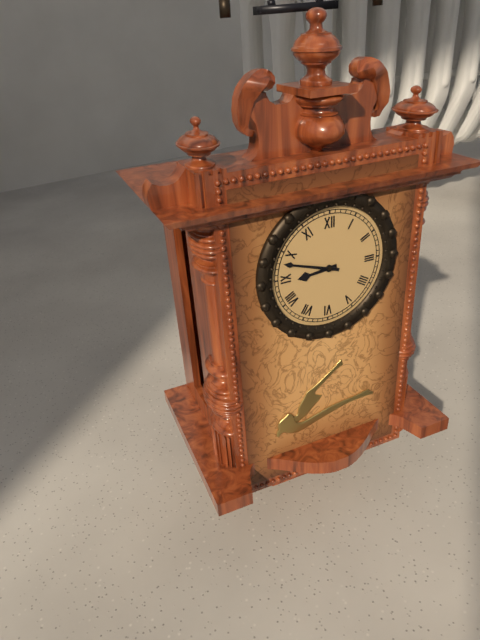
8.48
